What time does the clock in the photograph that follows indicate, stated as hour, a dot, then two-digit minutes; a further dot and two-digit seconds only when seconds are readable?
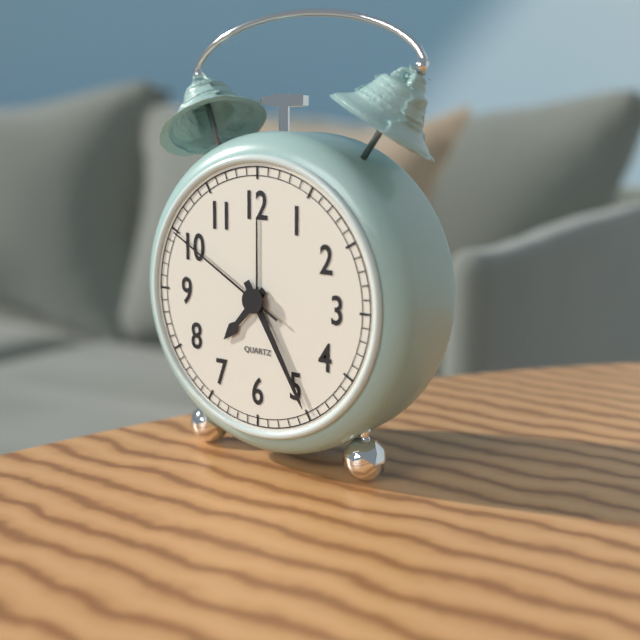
7.25.50
